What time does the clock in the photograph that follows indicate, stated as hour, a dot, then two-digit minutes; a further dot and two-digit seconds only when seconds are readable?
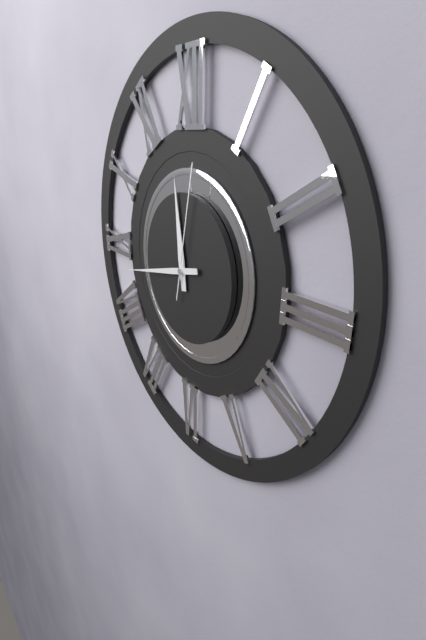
11.43.02
